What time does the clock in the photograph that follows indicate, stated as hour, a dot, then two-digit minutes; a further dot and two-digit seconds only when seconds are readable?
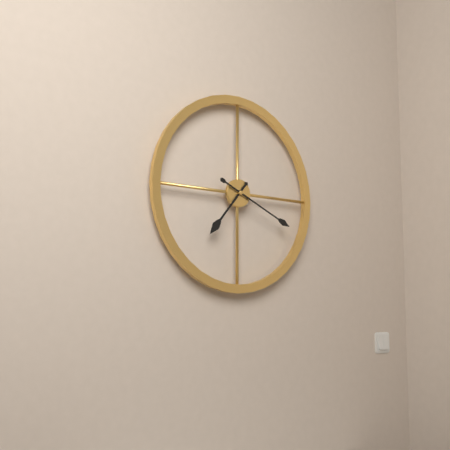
7.19
